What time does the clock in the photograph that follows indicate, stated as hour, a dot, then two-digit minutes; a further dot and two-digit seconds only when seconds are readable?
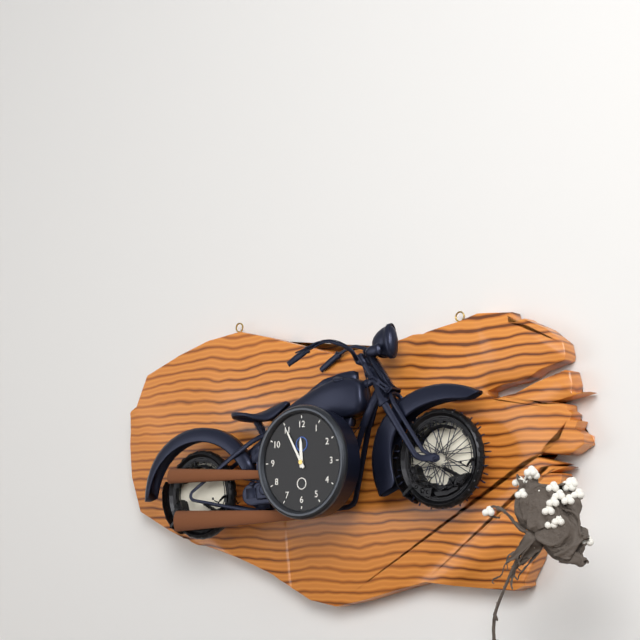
11.55
